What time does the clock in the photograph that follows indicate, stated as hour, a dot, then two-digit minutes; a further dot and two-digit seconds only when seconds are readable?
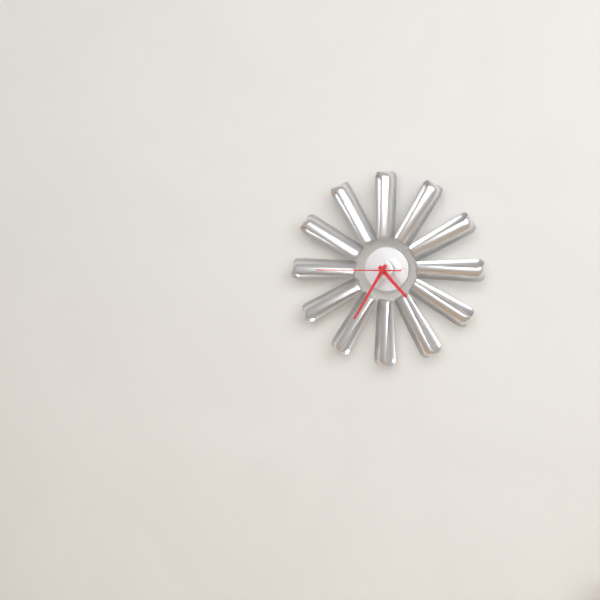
4.35.45
